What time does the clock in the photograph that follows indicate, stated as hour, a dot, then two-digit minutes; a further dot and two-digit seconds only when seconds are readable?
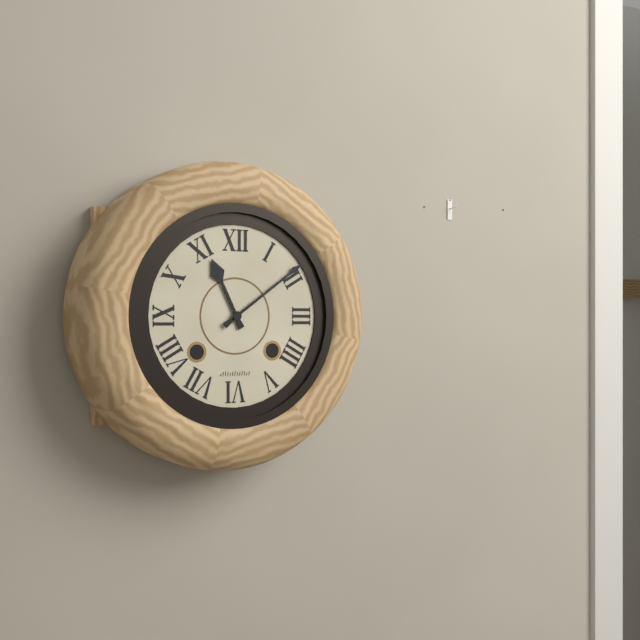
11.09
